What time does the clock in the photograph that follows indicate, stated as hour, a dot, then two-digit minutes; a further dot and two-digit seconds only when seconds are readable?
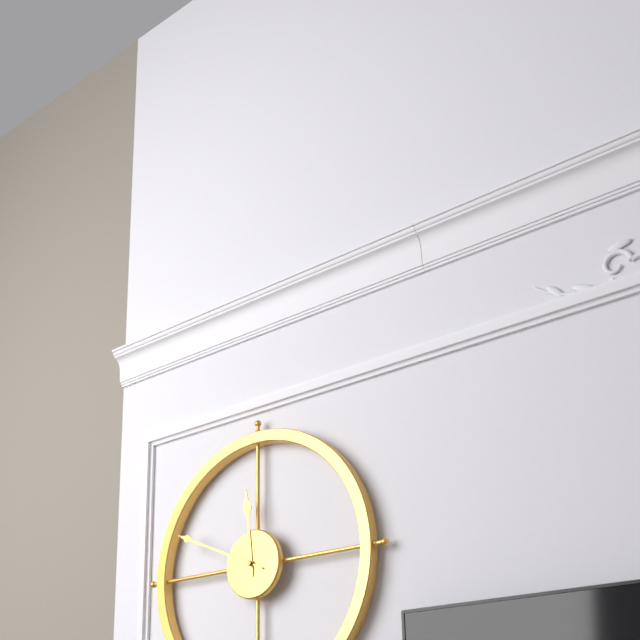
11.49
